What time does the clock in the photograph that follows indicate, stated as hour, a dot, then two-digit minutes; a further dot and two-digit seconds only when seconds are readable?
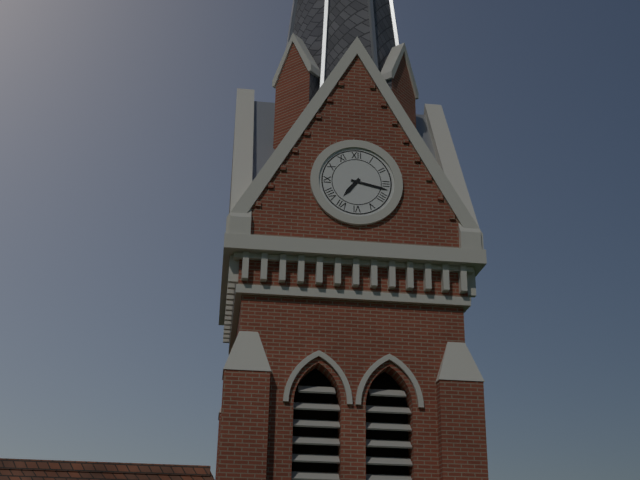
7.17
